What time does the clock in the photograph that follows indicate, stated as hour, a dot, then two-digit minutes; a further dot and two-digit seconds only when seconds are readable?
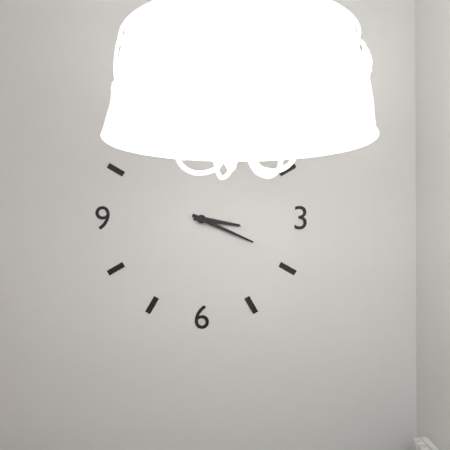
3.19
